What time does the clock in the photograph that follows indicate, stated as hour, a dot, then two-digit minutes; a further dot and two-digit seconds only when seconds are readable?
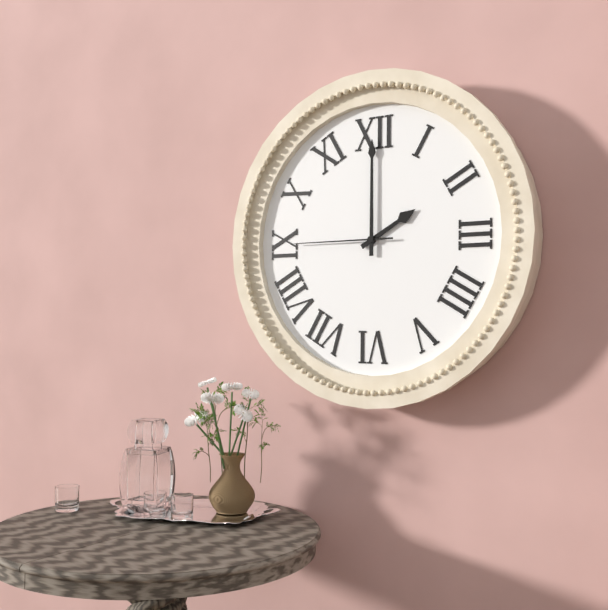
2.00.45
